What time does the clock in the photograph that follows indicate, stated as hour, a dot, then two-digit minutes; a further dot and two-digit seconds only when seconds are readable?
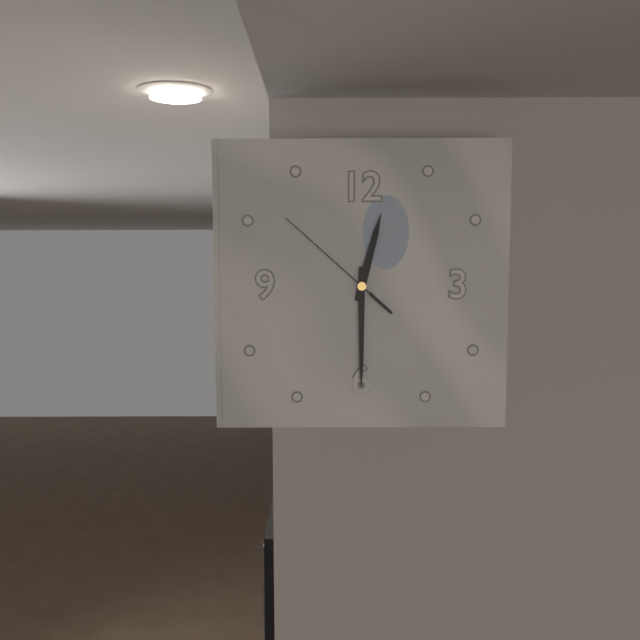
12.30.52
